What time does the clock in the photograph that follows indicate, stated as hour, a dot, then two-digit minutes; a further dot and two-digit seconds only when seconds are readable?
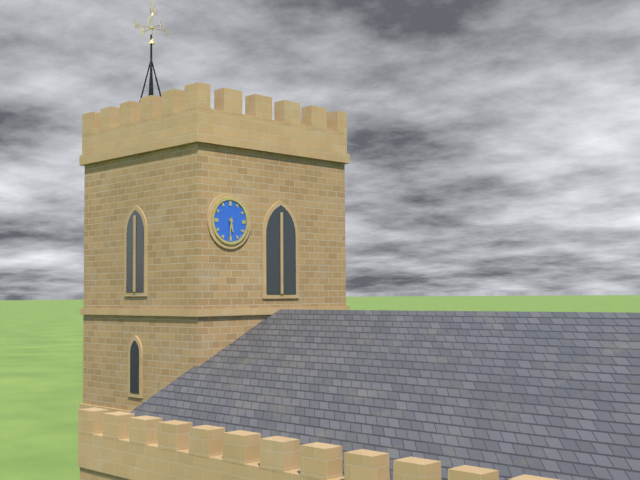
5.31
